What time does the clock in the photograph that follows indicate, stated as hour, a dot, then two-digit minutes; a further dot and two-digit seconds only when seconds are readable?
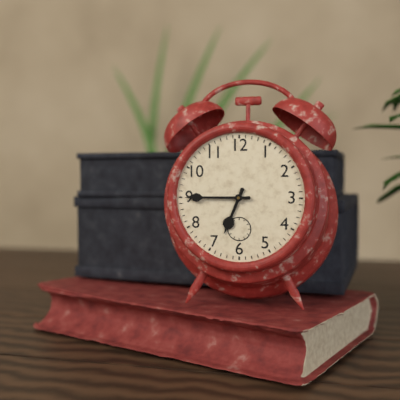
6.45
